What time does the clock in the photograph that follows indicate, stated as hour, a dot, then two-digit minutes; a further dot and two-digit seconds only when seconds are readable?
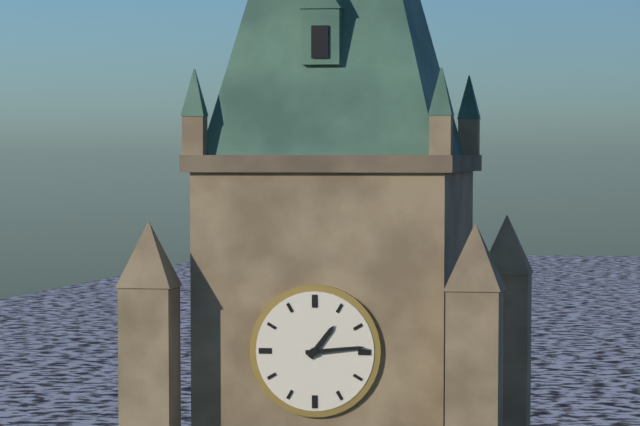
1.14
